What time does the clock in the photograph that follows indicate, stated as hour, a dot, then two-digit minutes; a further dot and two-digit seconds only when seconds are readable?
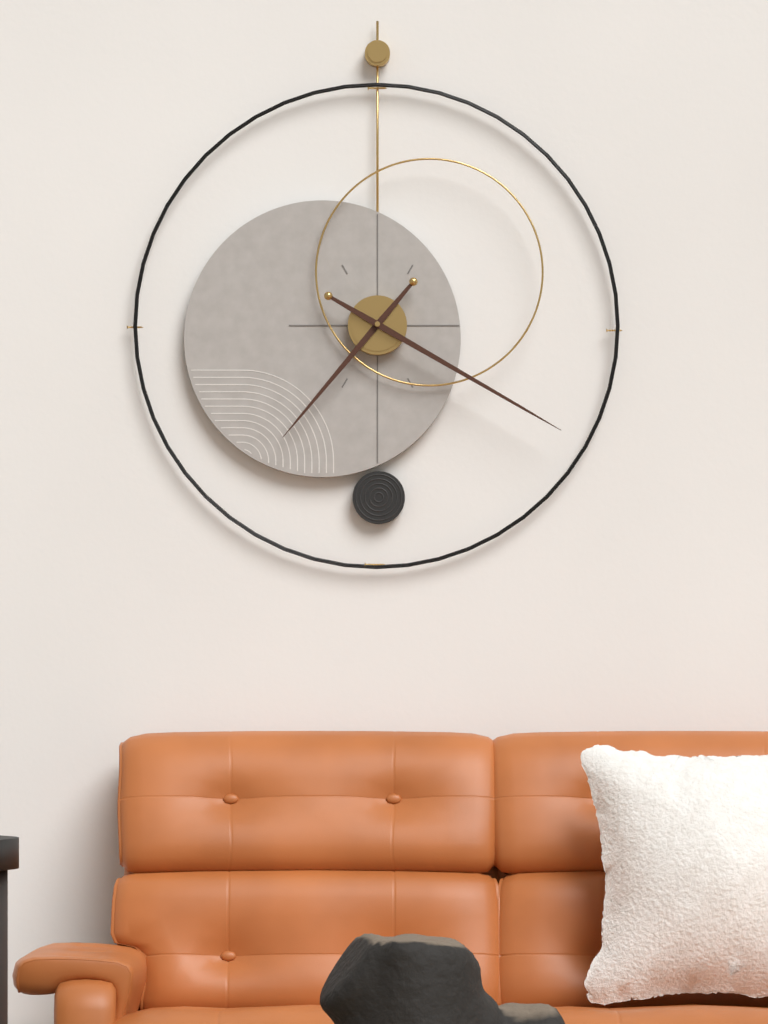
7.20
